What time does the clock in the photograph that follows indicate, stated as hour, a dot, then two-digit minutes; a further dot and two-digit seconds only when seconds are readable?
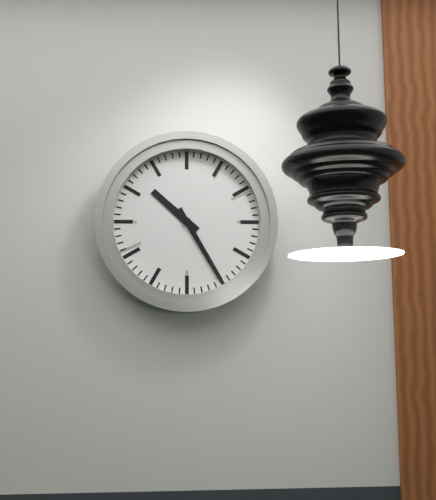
10.25
